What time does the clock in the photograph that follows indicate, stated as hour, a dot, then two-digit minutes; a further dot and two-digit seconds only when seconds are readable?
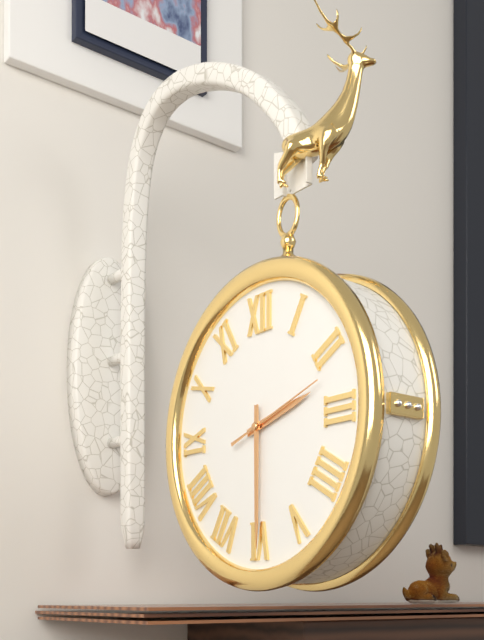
2.30.12
